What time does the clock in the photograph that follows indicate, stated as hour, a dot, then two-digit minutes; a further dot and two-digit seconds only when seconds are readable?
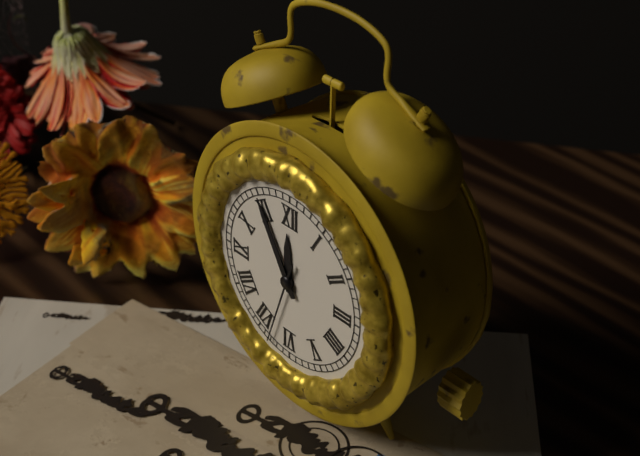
11.55.33
